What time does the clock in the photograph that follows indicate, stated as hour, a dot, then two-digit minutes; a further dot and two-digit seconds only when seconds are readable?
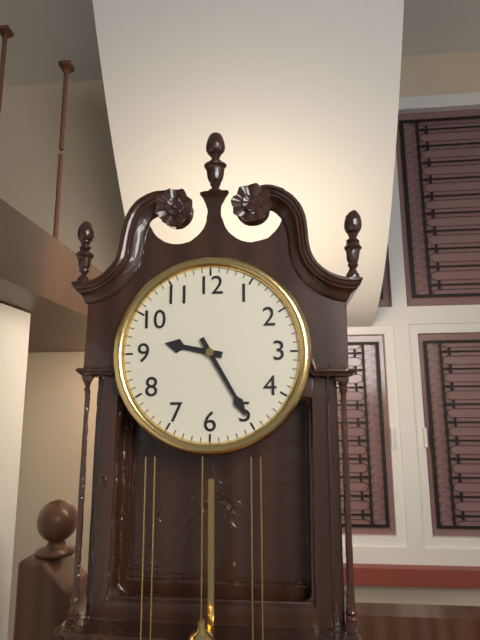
9.25
